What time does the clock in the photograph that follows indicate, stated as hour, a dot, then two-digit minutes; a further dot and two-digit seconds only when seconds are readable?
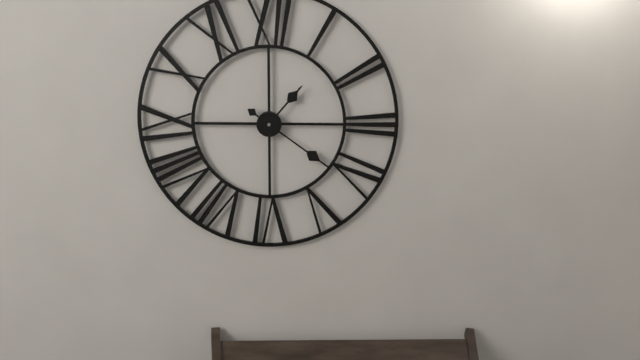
1.21
